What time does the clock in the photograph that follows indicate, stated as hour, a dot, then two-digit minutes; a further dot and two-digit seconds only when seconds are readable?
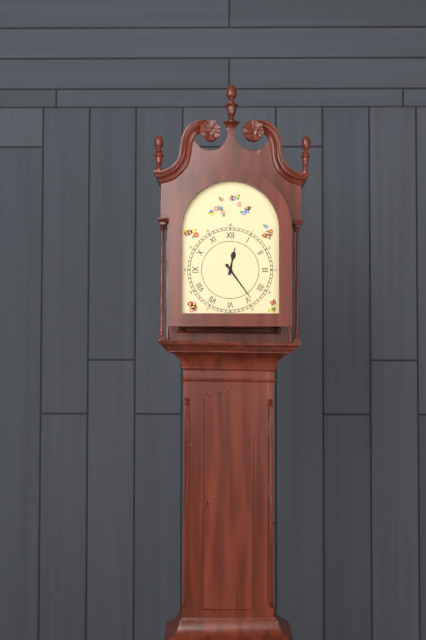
12.24
